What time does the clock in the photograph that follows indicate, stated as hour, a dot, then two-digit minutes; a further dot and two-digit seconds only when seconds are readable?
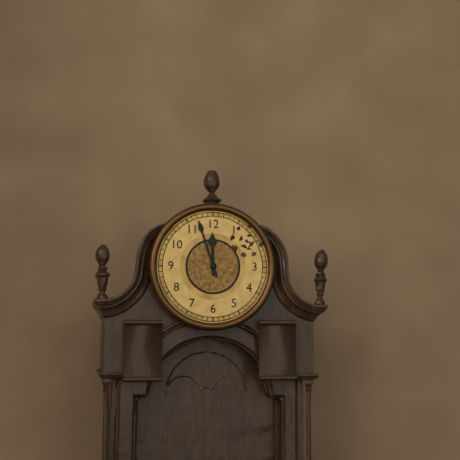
11.57
